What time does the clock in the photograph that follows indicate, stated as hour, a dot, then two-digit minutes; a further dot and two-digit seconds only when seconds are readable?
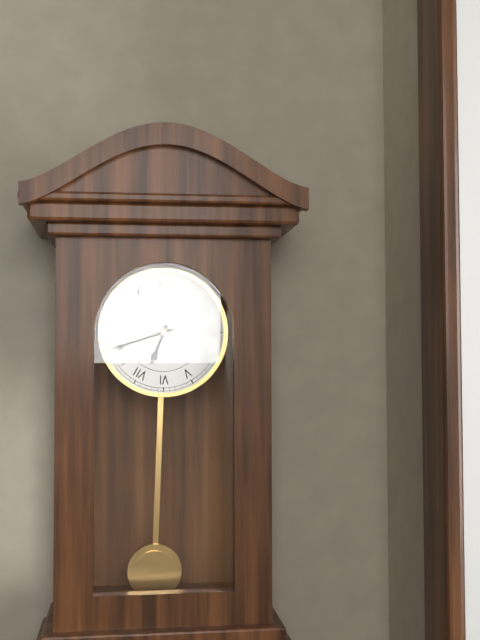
6.42
